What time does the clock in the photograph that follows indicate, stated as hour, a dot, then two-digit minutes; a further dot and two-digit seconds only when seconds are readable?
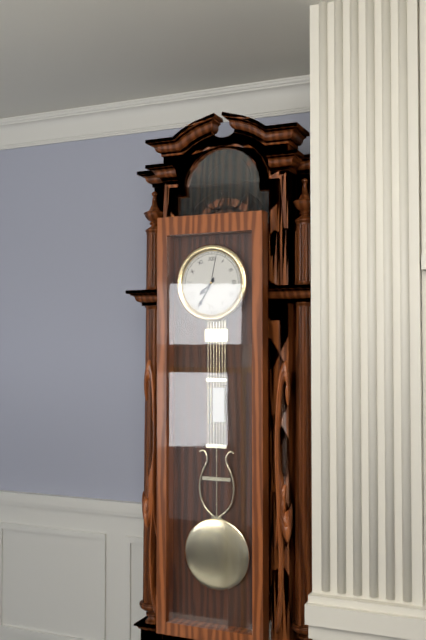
7.35
